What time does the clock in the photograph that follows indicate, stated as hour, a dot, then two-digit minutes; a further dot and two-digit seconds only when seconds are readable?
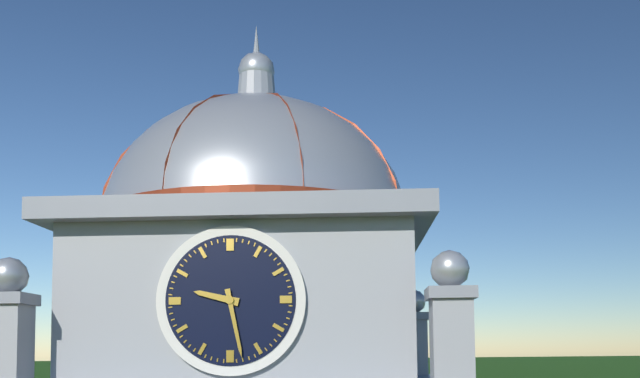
9.28
